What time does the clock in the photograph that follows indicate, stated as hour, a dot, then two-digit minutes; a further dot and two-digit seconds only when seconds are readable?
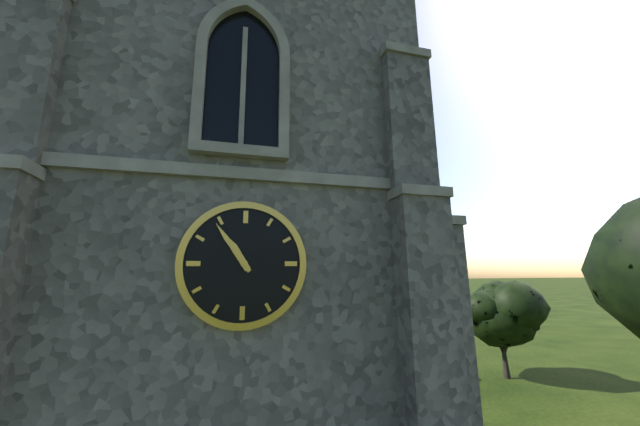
10.54
